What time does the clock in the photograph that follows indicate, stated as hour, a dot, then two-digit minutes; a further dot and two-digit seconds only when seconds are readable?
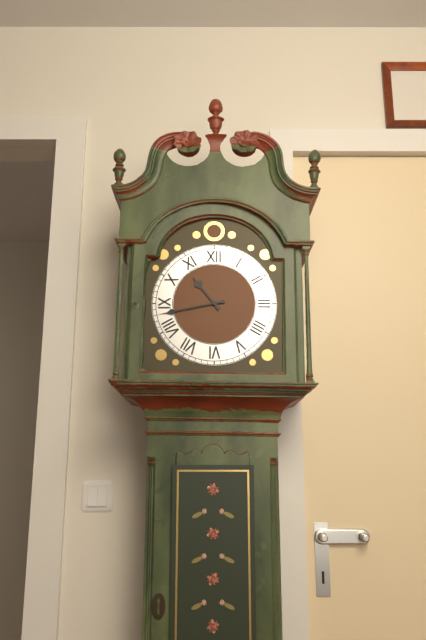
10.43
